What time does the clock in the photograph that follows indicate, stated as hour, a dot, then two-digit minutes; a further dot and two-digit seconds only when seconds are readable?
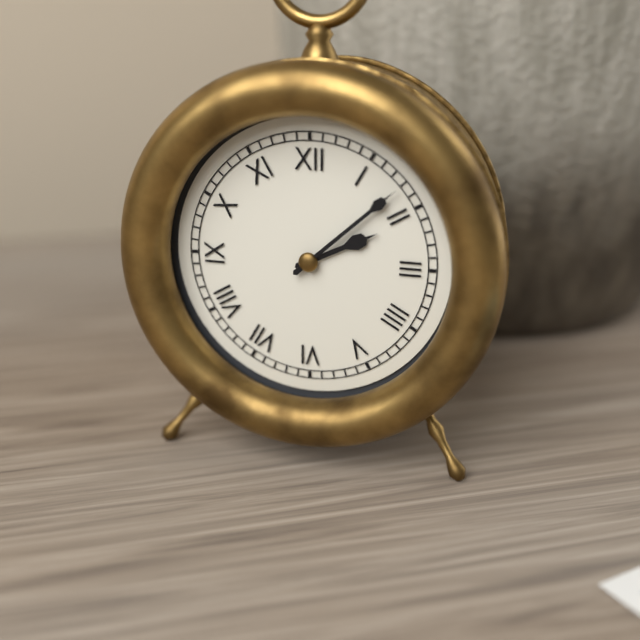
2.08
